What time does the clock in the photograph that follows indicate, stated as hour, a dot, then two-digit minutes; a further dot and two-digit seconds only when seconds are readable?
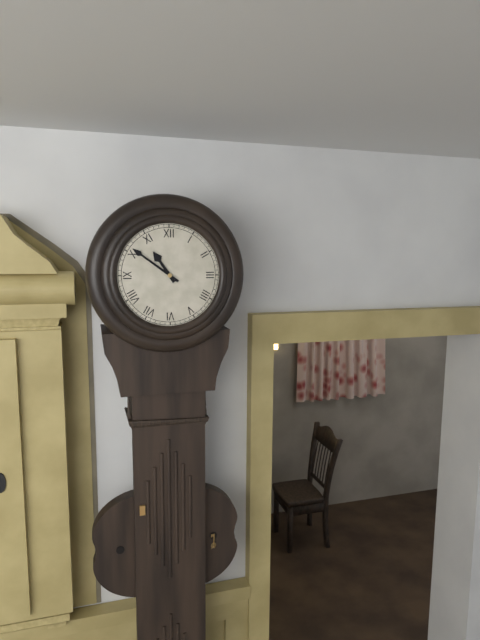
10.51
